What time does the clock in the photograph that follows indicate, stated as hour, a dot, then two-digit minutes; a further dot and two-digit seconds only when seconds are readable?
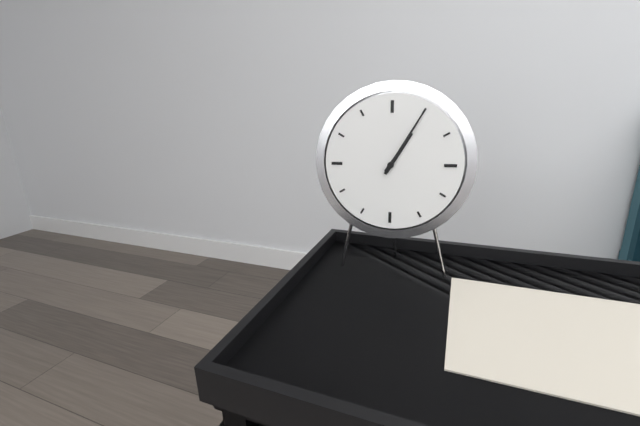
1.05
